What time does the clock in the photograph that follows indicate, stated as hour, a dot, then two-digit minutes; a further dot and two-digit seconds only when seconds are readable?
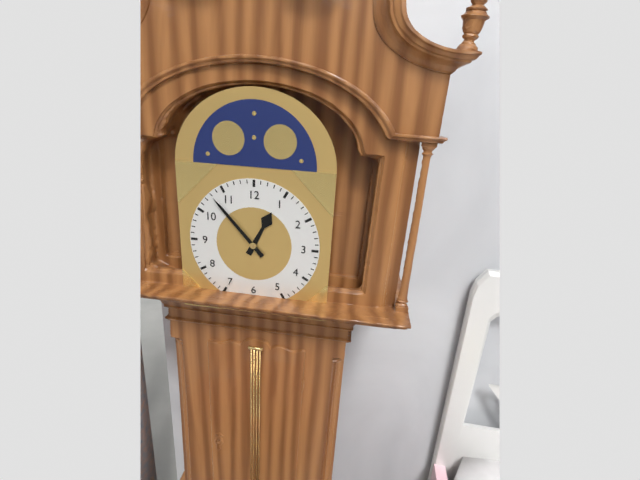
12.53
